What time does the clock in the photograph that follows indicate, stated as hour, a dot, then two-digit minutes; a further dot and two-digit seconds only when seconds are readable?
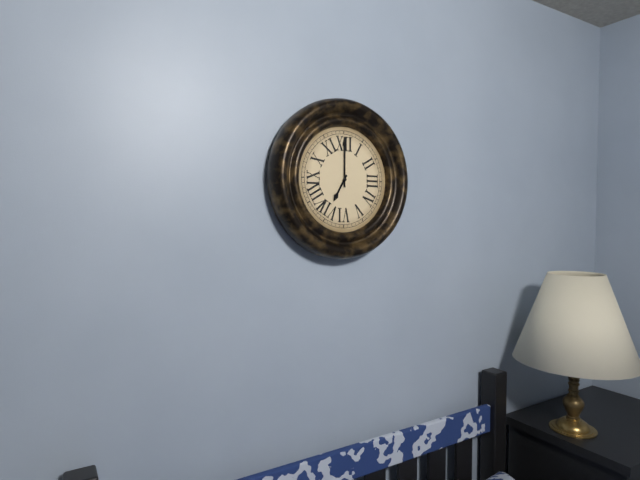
7.00
